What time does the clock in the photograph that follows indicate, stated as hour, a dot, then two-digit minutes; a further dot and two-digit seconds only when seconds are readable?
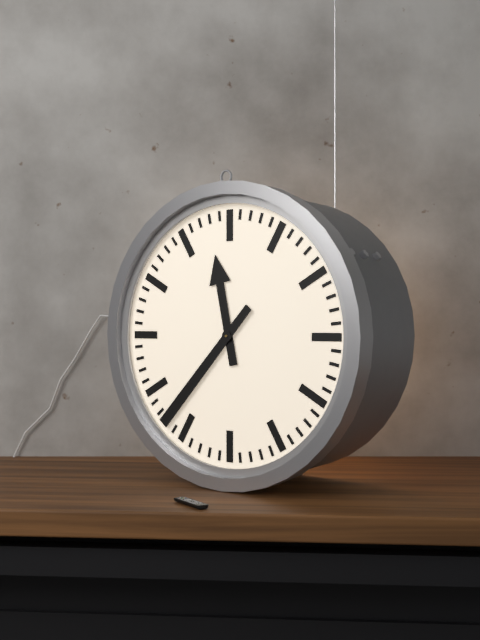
11.37
